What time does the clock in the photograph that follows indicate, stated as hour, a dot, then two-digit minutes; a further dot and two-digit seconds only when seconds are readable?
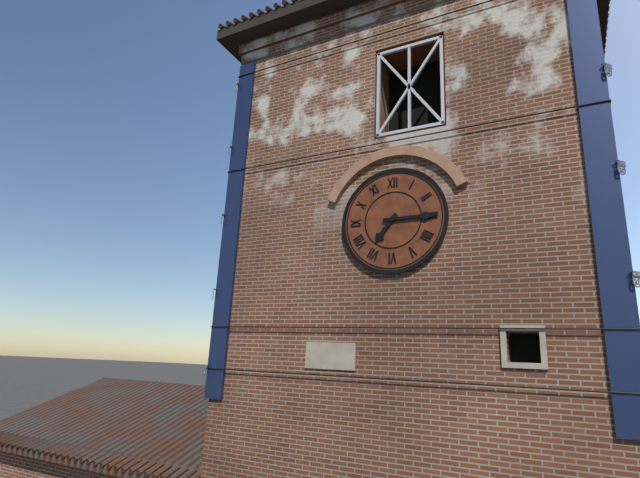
7.15
